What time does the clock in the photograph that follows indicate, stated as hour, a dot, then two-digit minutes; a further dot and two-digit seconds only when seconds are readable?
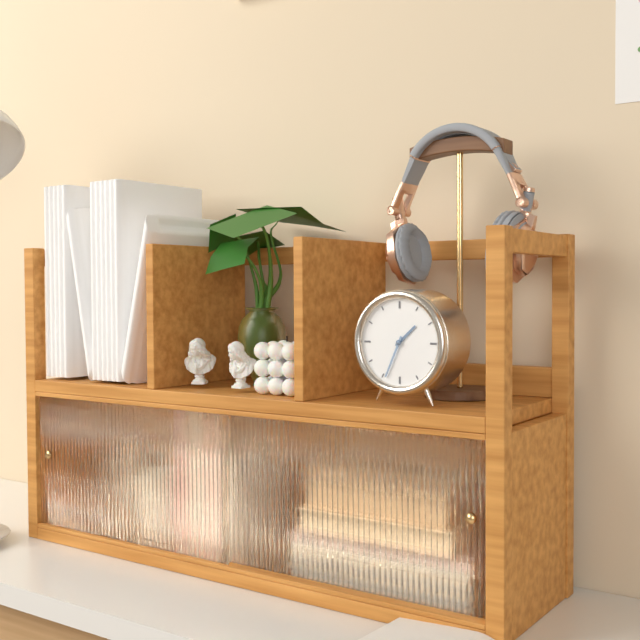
1.34
